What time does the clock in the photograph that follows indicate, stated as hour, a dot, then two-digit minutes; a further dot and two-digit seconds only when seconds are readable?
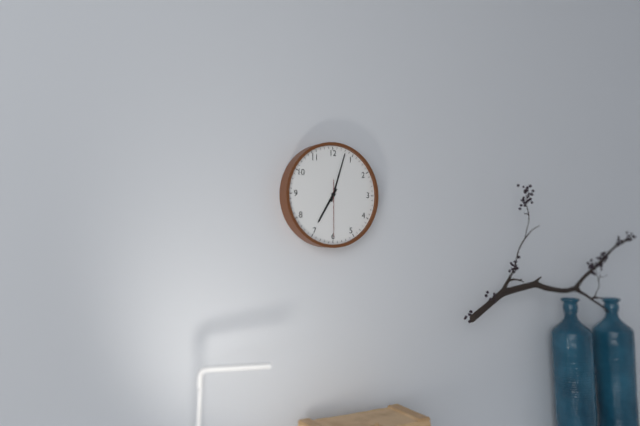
7.03.30
